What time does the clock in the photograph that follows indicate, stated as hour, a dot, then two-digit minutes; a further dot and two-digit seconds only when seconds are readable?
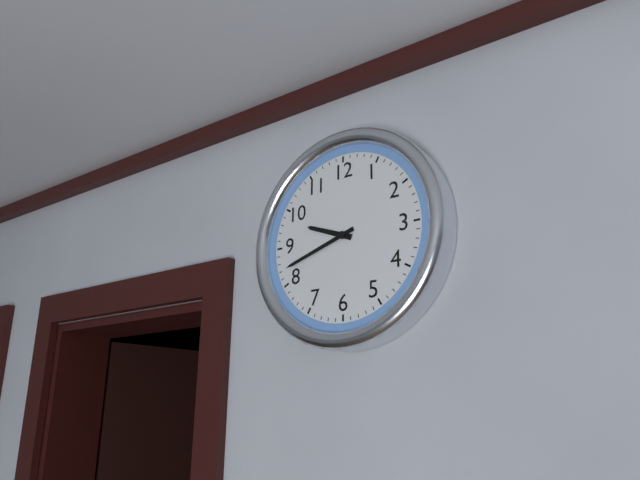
9.42
